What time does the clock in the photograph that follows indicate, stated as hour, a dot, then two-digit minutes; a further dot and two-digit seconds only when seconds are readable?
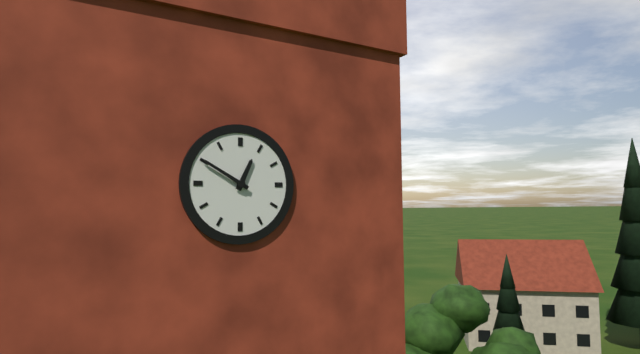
12.50
